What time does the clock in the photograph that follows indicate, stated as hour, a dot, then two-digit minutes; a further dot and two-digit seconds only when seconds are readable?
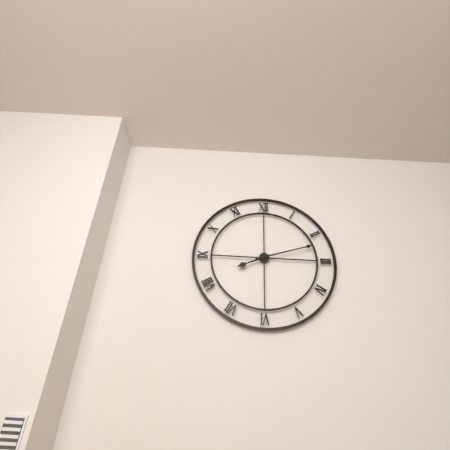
8.12
